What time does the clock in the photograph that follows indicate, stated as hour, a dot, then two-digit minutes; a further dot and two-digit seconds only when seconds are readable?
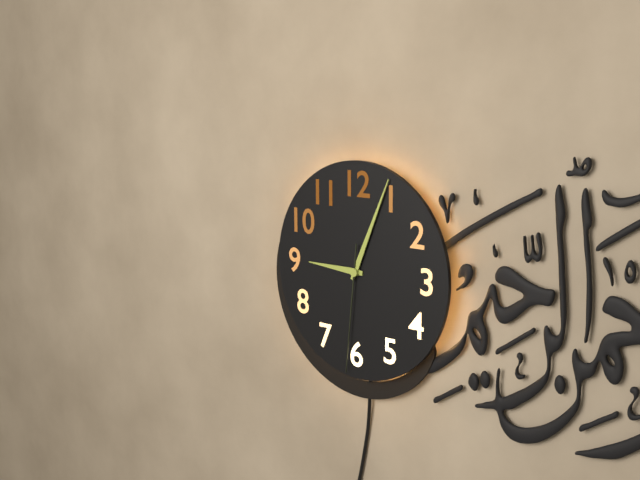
9.04.31
